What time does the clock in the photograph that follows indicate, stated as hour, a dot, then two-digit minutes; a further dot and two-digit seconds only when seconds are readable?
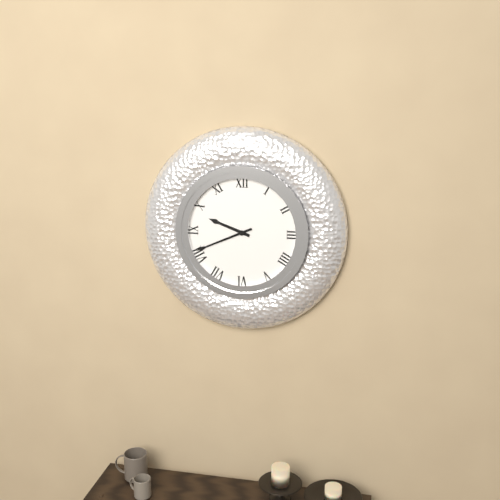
9.41
